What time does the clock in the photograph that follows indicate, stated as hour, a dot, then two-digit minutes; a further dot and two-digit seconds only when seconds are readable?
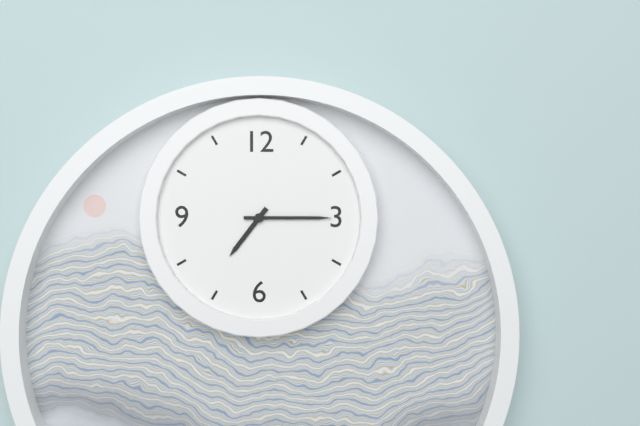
7.15
